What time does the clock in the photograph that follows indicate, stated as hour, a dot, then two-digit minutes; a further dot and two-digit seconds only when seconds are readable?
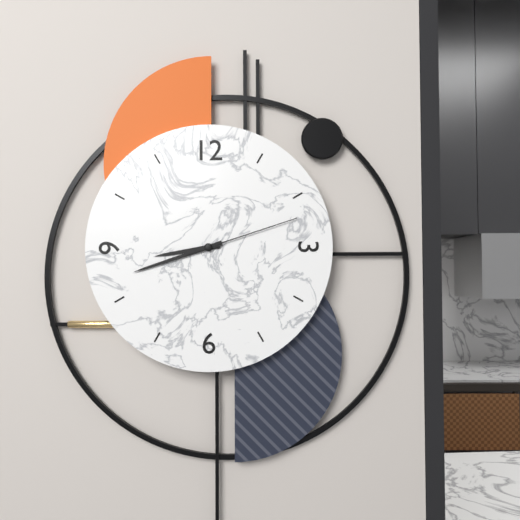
8.42.12
